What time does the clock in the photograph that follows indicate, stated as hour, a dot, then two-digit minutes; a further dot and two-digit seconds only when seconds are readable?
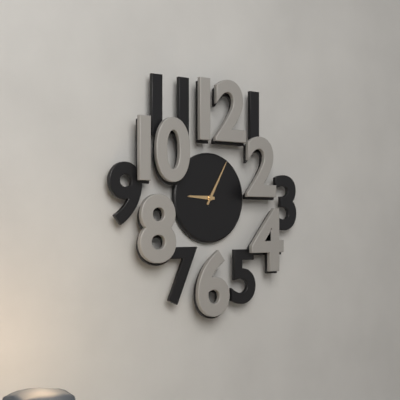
9.05
